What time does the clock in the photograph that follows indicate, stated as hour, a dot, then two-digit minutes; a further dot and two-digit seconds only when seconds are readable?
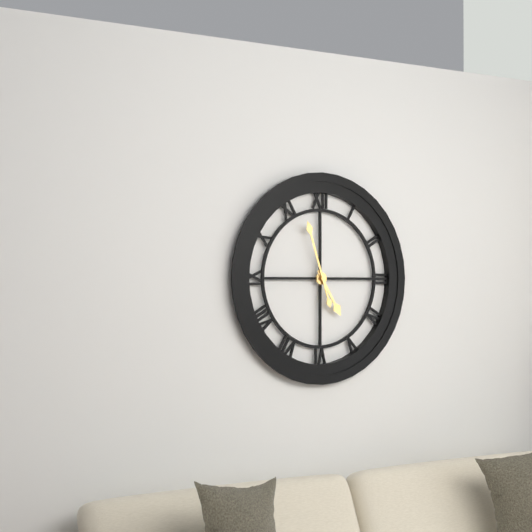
4.57
